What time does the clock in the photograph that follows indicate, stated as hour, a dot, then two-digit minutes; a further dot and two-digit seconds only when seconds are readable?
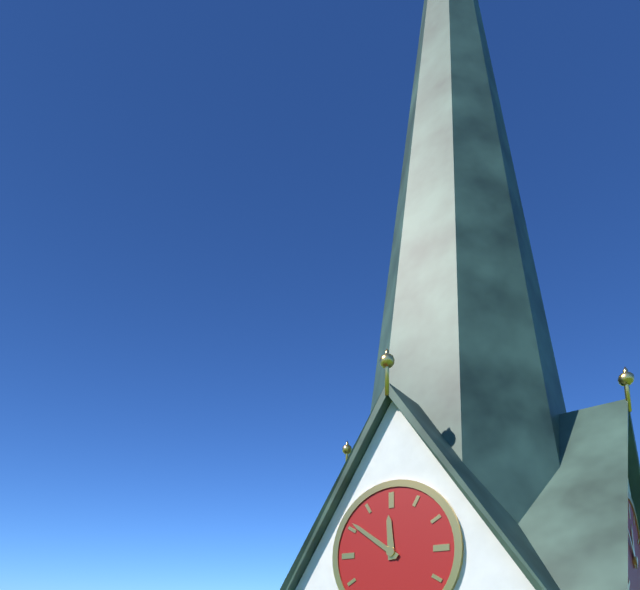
11.51
